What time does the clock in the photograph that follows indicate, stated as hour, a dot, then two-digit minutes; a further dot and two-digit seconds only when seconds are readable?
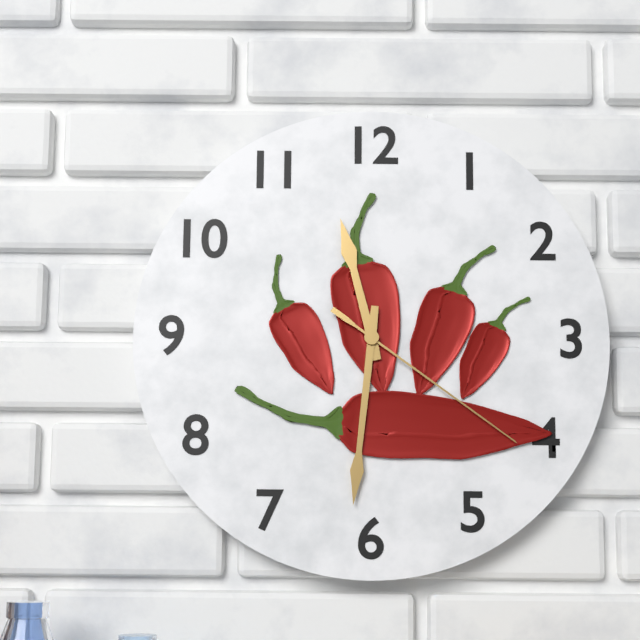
11.31.21
